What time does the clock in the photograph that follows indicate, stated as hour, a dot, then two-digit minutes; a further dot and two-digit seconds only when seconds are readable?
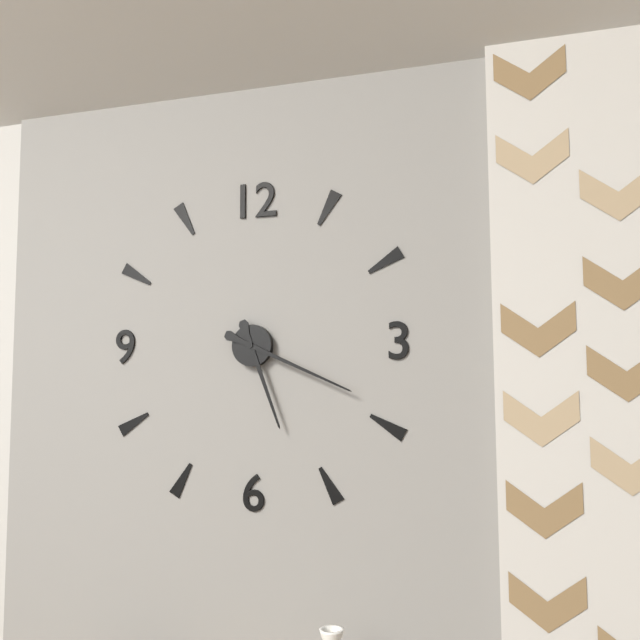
5.19
